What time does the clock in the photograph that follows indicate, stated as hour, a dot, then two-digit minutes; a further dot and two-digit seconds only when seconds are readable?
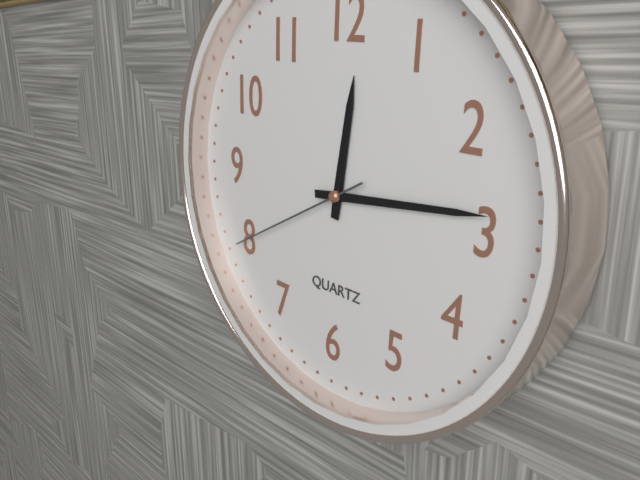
12.14.40
